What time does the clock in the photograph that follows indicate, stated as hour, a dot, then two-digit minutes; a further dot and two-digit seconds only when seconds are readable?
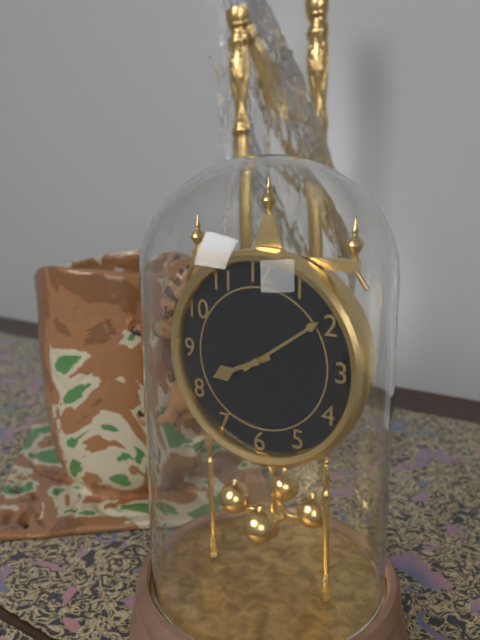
8.09
